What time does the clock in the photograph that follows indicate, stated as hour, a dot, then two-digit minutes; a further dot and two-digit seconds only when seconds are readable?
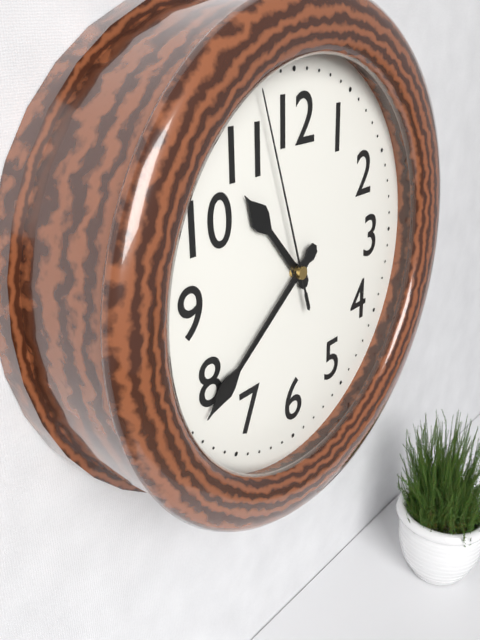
10.39.57
